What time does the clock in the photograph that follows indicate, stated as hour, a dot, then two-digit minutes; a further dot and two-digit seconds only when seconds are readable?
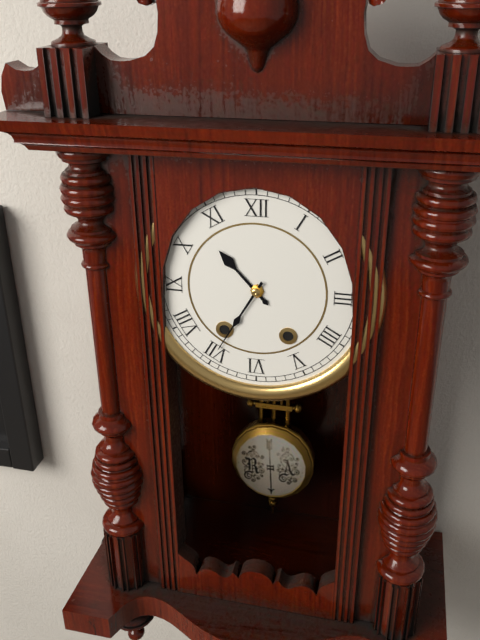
10.35
